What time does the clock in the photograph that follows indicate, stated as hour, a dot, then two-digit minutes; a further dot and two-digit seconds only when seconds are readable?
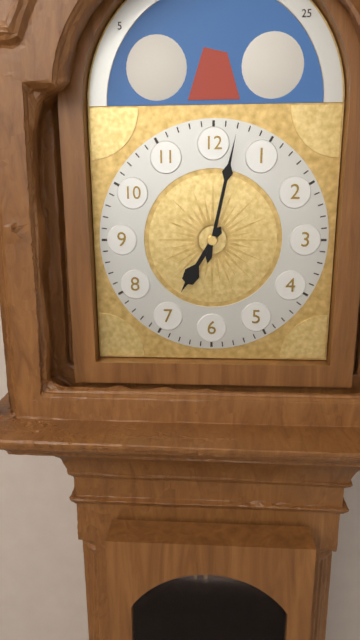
7.02
